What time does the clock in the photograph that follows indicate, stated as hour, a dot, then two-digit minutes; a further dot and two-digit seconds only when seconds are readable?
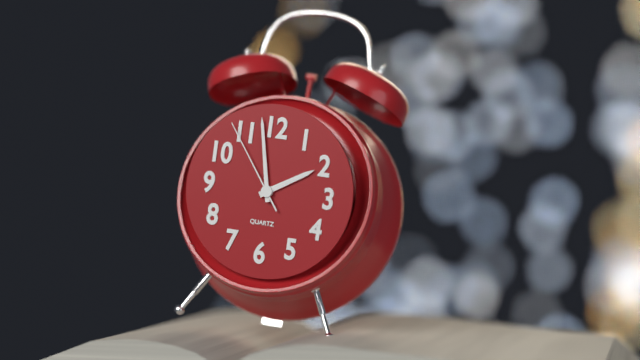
1.58.54
